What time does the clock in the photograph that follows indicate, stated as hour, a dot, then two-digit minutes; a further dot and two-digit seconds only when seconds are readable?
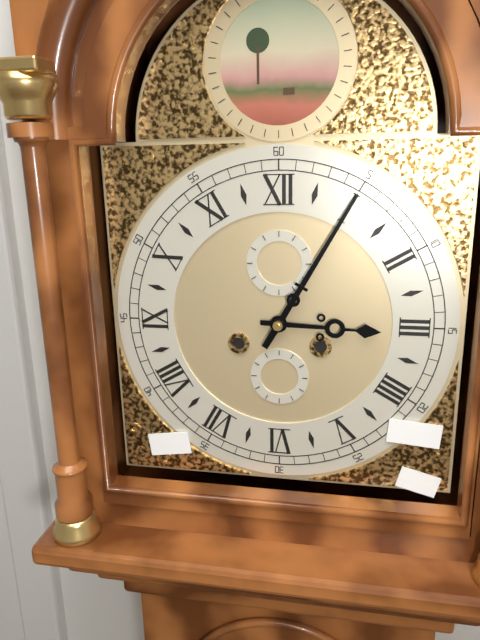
3.05
